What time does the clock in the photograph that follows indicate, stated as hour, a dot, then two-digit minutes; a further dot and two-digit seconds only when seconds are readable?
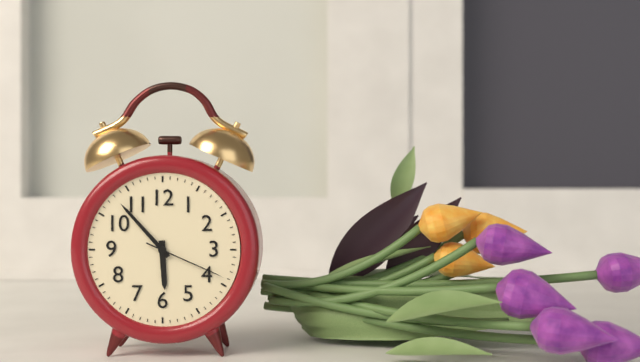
5.53.19
